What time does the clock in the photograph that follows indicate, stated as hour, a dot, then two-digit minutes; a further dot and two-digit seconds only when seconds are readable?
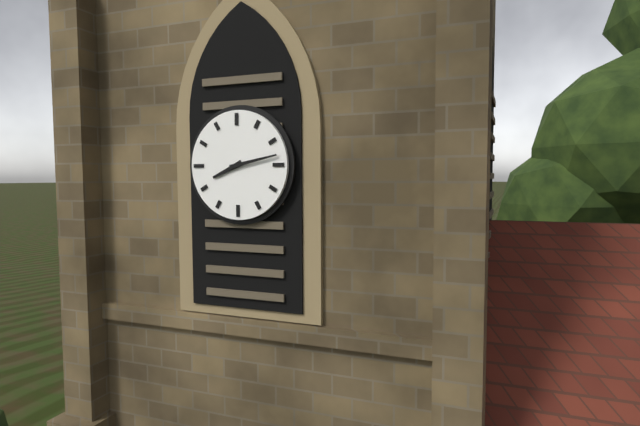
8.13
